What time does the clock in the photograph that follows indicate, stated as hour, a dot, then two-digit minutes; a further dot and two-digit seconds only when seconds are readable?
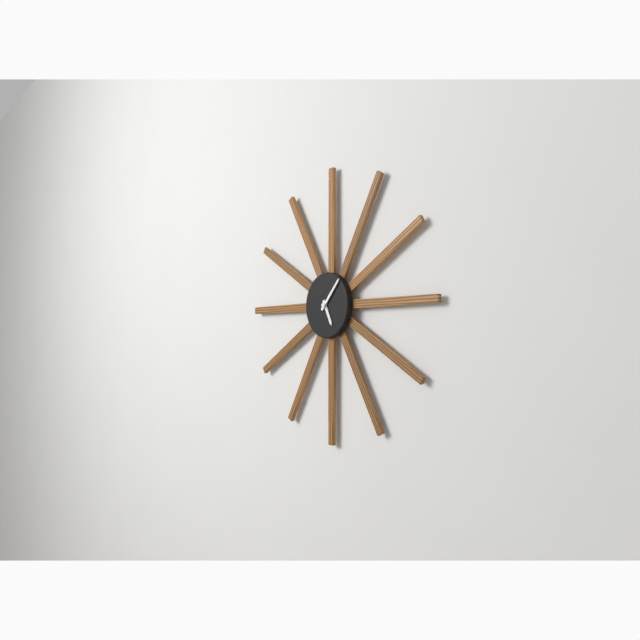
5.07
